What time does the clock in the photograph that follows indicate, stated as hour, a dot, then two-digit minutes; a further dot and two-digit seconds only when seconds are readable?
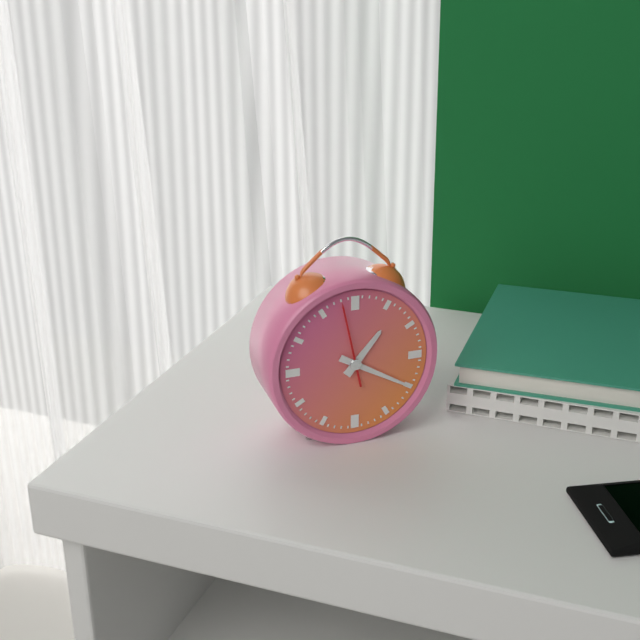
1.20.58
